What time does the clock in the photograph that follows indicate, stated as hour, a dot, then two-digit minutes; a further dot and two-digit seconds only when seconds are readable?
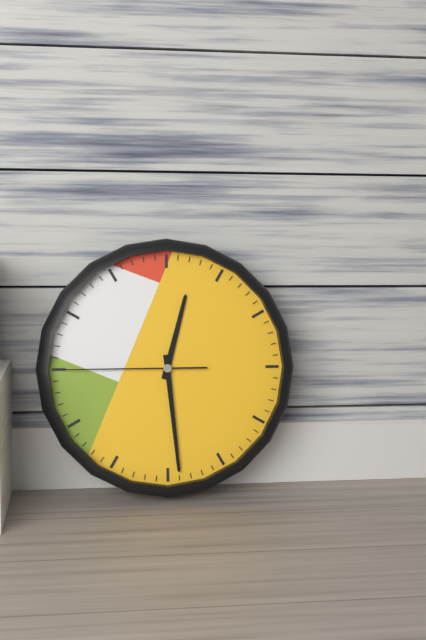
12.29.45
